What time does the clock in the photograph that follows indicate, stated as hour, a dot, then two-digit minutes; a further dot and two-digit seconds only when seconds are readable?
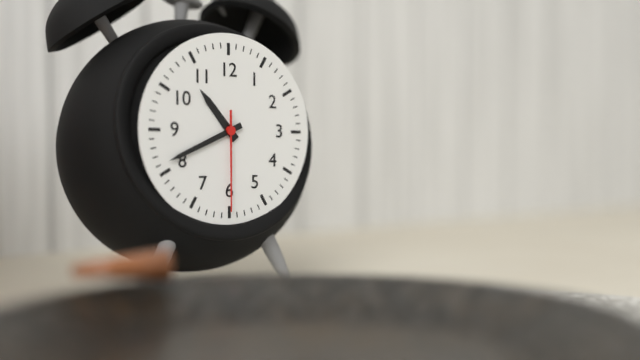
10.41.30
